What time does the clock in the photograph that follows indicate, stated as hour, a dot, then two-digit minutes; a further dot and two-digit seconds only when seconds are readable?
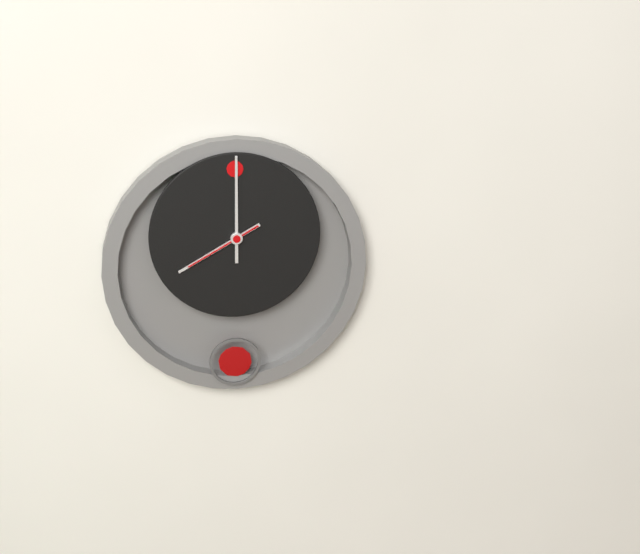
8.00.40
